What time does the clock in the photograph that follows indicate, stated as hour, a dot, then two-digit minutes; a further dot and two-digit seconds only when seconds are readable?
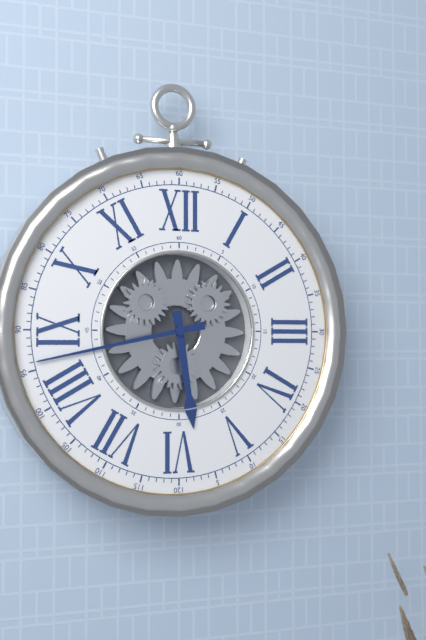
5.43
